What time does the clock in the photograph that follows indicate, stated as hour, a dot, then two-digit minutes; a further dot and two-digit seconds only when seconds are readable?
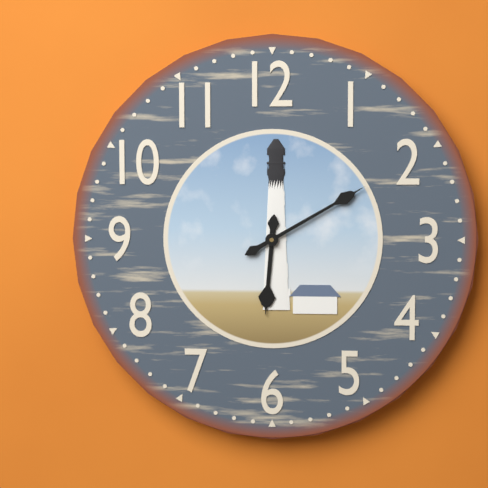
6.10
